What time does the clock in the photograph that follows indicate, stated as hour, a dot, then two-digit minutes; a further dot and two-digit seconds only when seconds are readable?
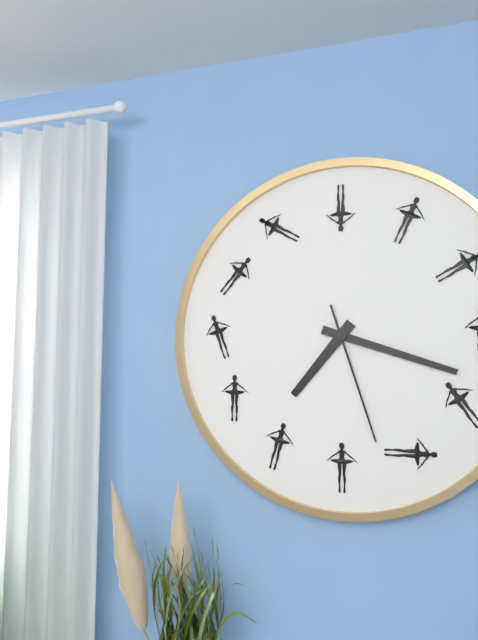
7.18.27
